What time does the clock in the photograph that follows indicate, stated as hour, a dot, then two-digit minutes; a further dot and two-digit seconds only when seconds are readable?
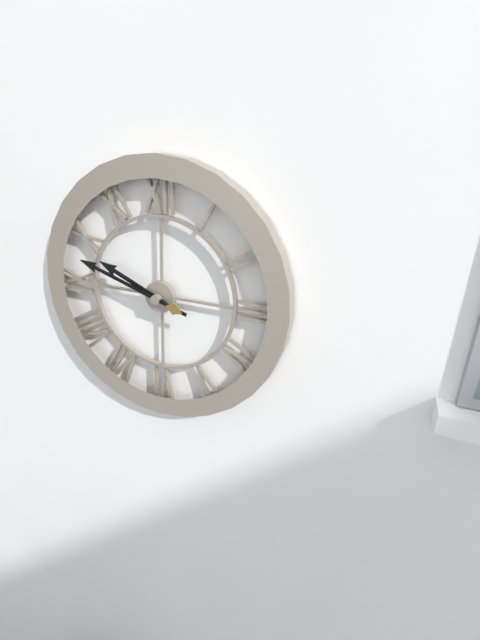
9.48
